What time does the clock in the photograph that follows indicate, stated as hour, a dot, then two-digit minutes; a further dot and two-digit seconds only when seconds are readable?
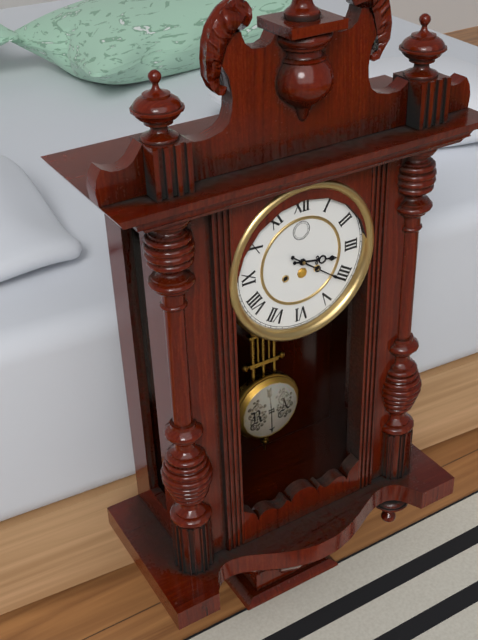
3.21
